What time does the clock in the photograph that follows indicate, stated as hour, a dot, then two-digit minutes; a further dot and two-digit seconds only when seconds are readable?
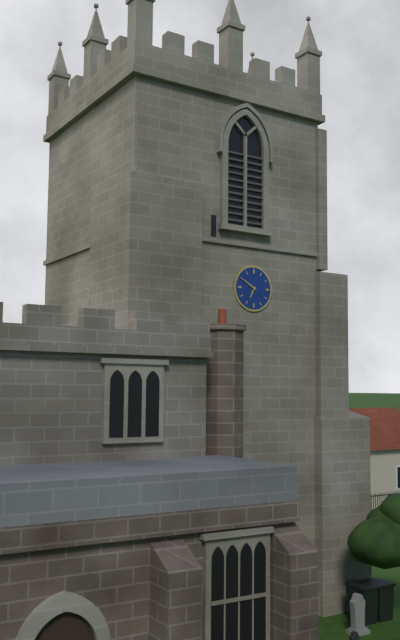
6.50
